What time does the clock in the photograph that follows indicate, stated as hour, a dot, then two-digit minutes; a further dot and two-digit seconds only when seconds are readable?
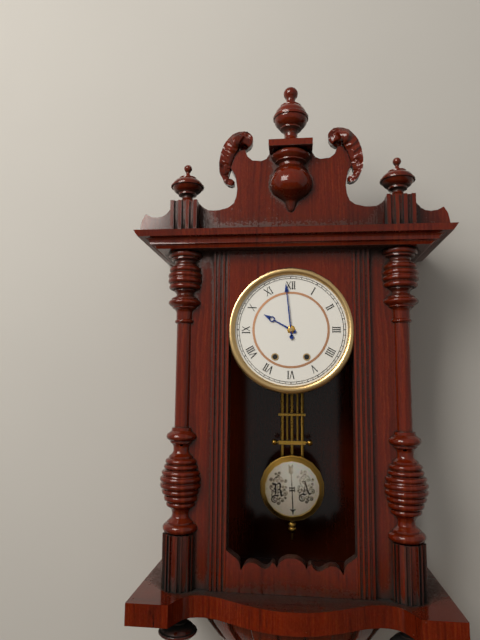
9.59
